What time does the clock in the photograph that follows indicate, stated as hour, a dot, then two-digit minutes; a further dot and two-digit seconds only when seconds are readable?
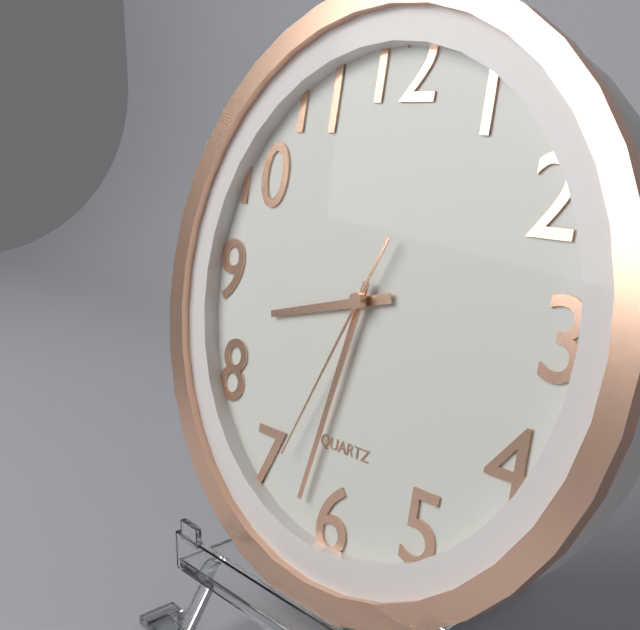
8.32.34
